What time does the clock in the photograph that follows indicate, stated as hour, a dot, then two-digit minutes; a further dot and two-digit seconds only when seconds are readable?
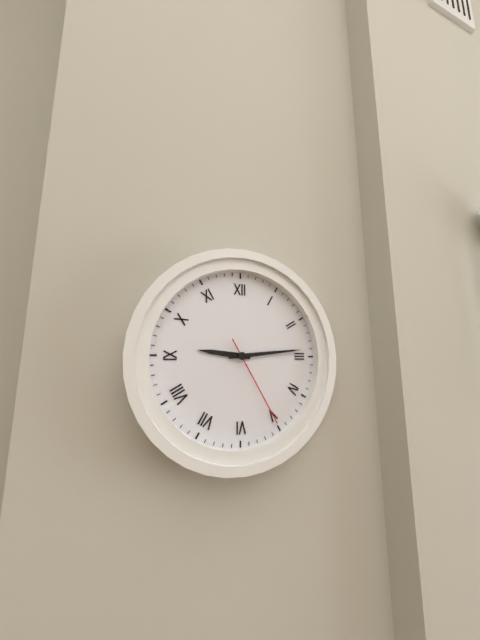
9.14.25
